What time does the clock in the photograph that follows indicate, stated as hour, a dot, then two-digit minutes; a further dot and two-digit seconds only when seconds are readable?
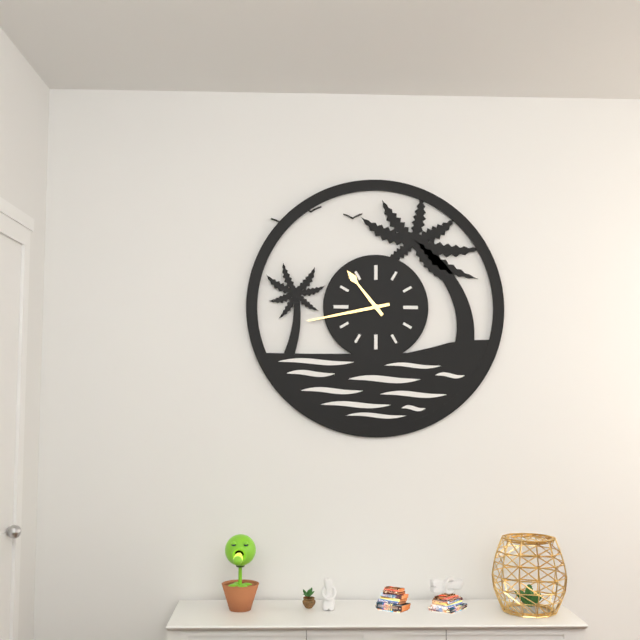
10.43
